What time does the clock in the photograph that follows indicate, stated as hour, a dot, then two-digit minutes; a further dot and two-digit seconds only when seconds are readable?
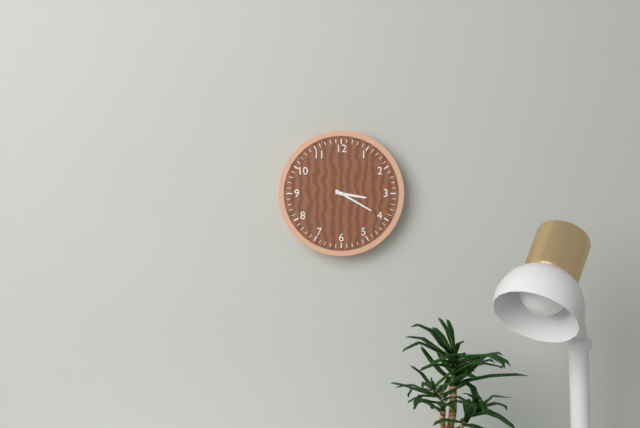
3.20
